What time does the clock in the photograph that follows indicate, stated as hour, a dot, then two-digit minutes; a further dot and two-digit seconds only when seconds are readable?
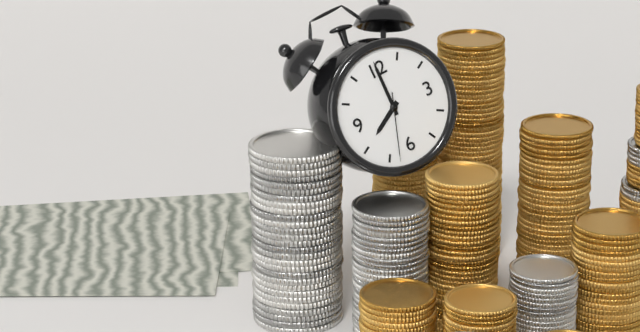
8.00.33
